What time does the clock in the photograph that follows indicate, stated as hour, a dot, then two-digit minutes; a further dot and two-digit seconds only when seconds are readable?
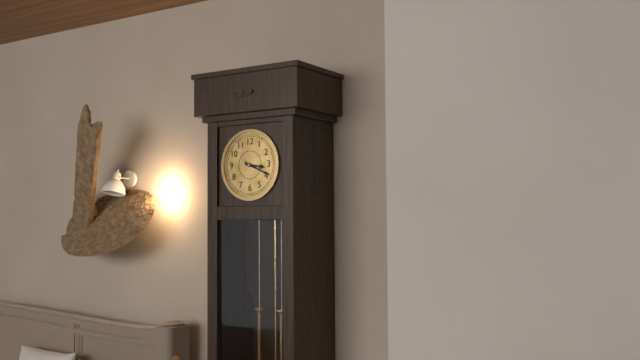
3.19
